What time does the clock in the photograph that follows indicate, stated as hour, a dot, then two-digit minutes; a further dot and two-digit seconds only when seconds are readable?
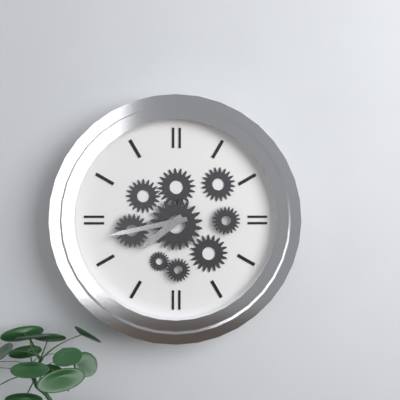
7.43
